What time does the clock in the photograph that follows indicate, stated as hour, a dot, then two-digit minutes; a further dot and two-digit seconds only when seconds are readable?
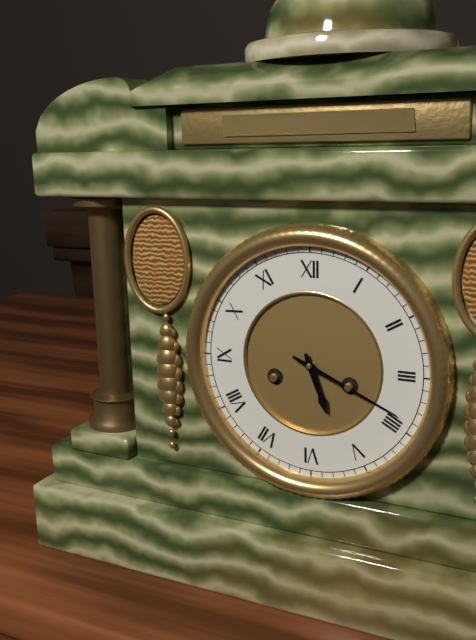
5.19
